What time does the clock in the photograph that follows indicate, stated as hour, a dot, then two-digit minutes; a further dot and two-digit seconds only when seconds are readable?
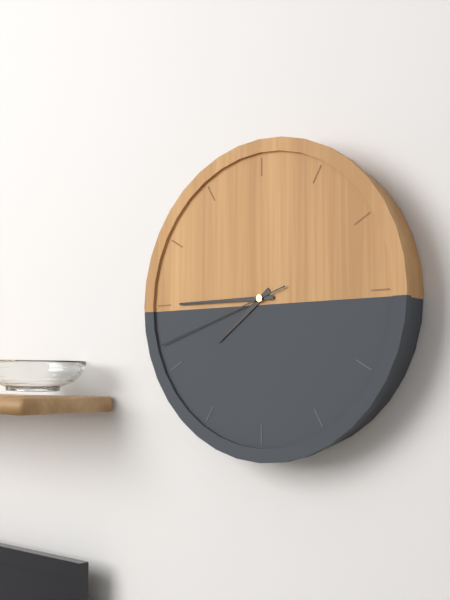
7.45.42
